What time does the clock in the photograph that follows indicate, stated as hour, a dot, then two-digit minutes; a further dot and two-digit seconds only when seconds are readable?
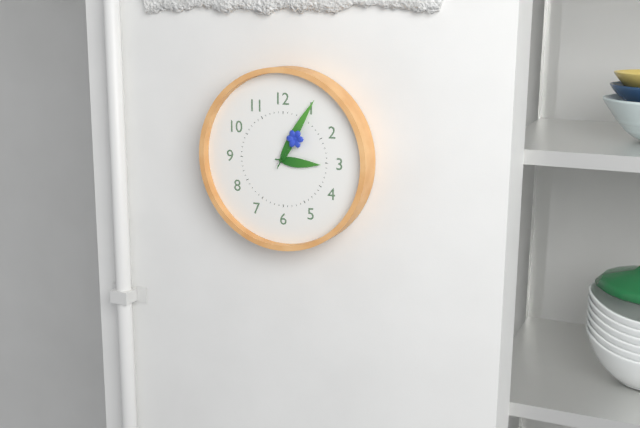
3.05
